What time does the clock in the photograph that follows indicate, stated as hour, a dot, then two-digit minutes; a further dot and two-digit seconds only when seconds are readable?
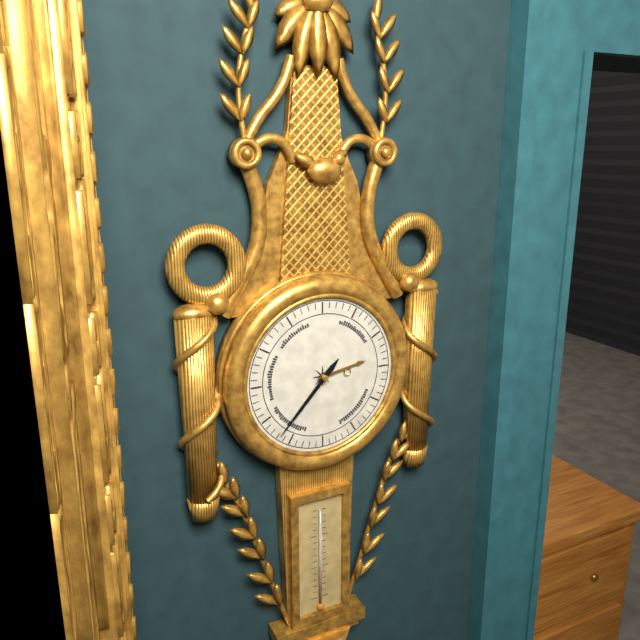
2.37
